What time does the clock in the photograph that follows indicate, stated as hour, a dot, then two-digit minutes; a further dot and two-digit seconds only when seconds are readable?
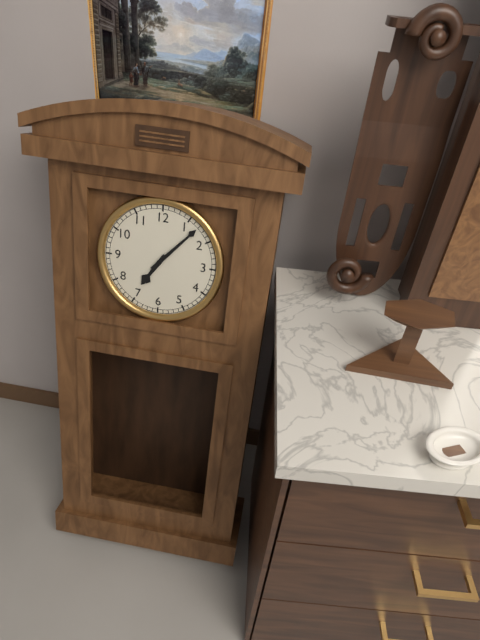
7.07
